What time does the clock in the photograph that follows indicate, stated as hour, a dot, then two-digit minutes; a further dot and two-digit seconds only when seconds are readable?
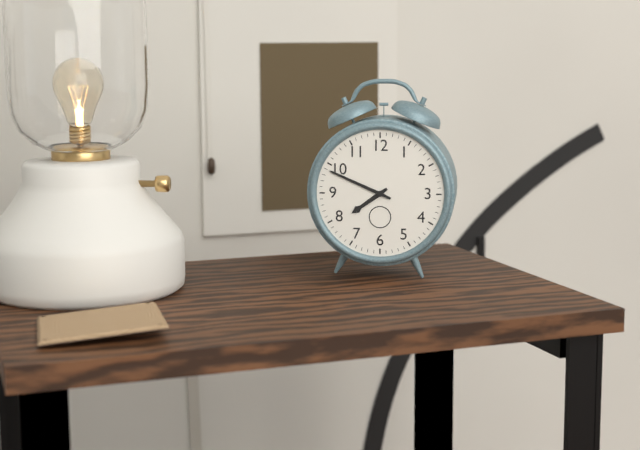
7.49
